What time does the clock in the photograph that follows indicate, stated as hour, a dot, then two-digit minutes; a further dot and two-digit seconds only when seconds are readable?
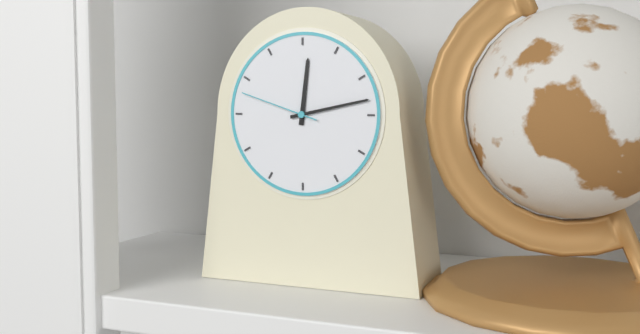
12.13.48
